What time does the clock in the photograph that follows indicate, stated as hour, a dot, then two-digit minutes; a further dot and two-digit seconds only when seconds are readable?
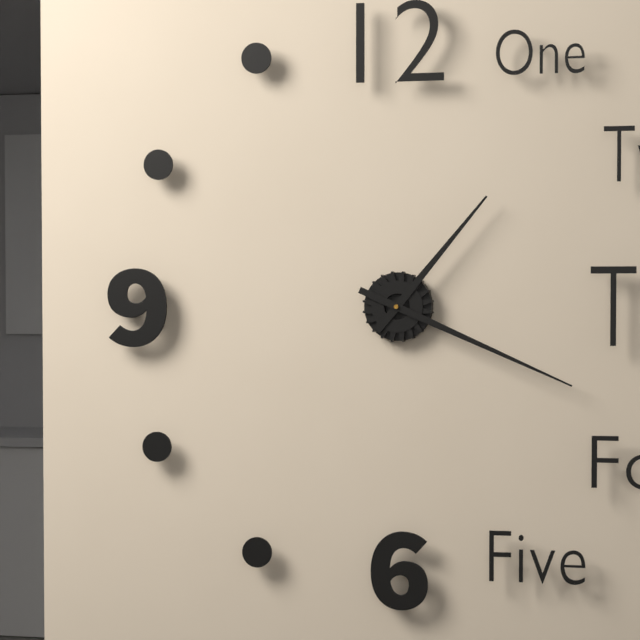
1.19
